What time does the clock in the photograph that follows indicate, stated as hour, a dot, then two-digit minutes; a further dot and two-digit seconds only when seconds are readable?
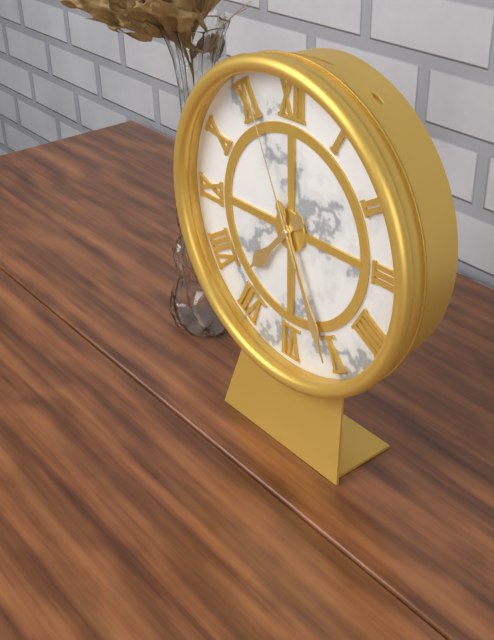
7.26.56
